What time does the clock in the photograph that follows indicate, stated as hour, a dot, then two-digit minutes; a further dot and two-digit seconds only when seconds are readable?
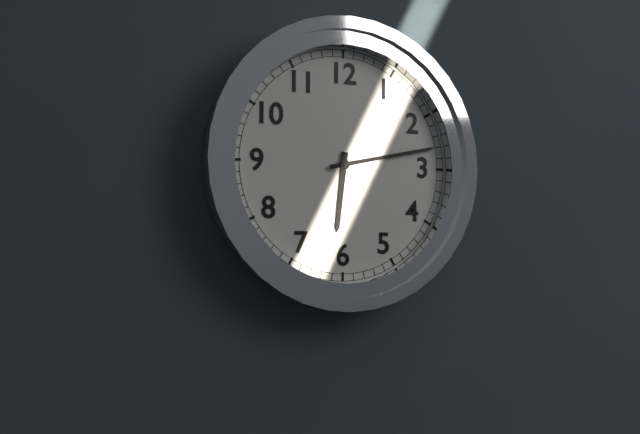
6.13
